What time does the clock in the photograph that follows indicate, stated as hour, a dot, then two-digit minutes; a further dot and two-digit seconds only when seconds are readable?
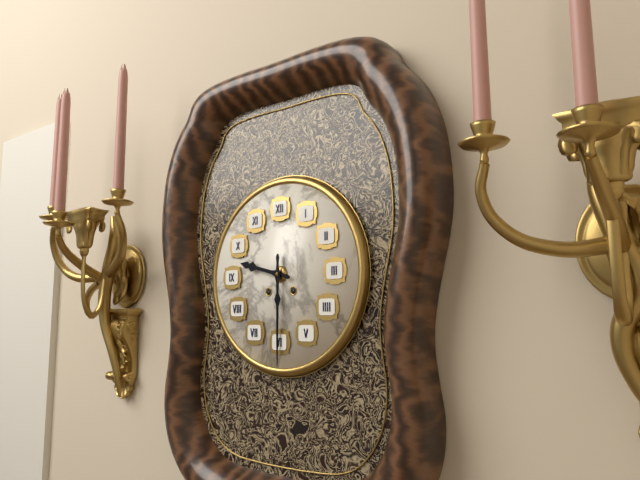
9.30
